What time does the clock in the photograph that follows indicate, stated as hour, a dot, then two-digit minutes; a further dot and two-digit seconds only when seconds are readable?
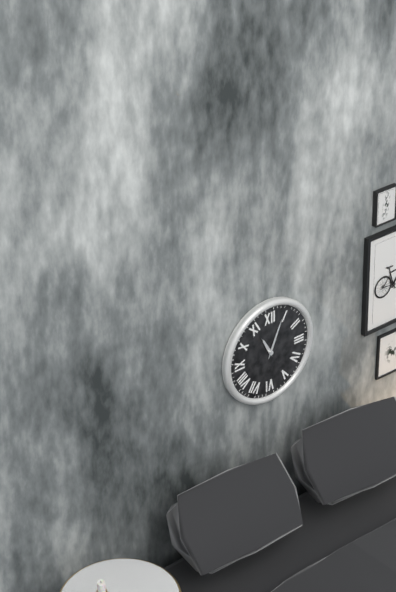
11.04
